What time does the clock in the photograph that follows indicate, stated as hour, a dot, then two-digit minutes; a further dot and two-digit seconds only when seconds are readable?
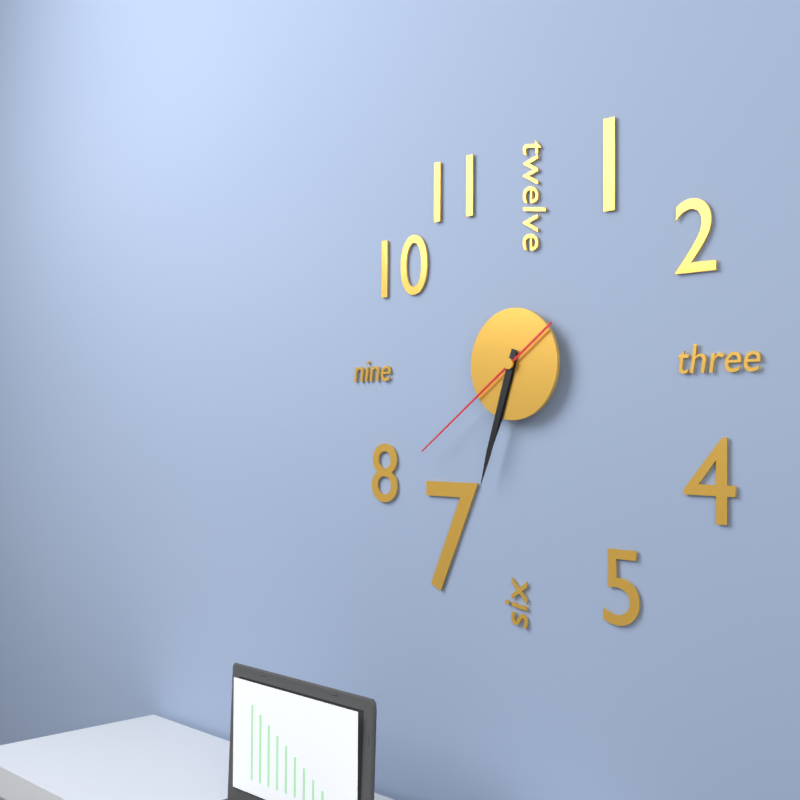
6.33.39
